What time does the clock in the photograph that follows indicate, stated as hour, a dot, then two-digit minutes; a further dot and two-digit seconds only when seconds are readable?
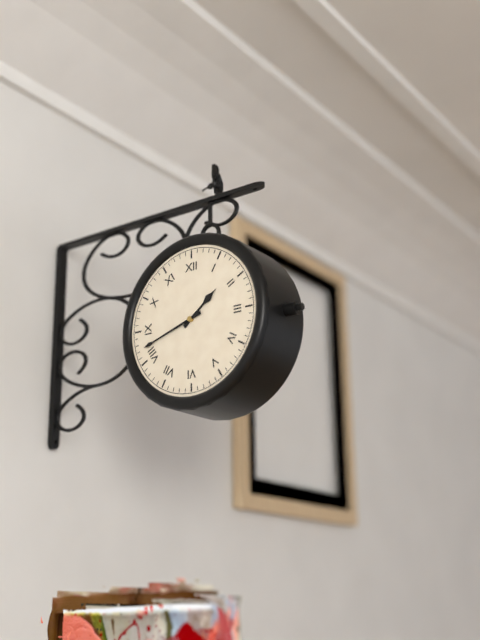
1.42
